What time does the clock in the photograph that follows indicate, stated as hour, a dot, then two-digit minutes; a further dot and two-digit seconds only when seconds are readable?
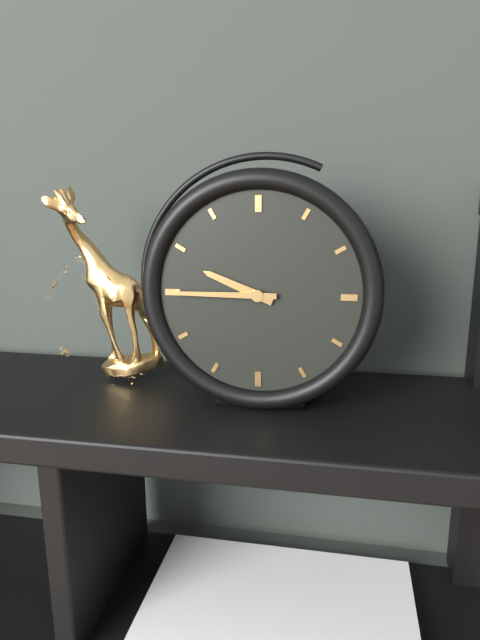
9.45
